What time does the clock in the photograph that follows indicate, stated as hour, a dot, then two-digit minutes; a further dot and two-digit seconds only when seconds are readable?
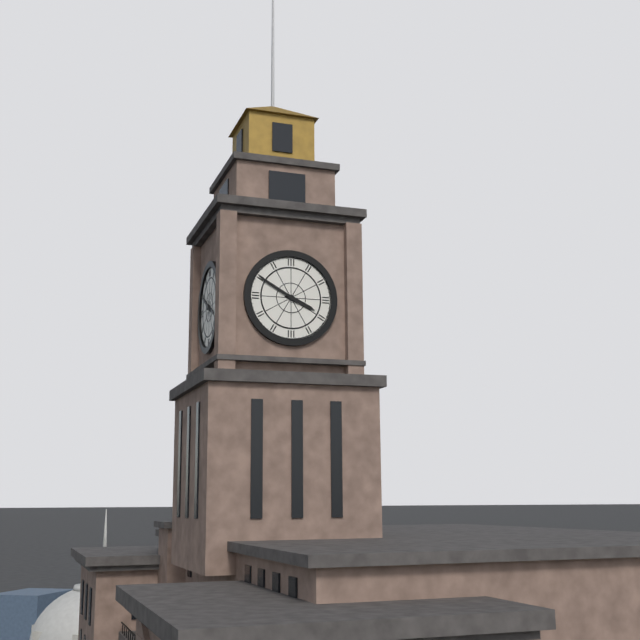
3.50
